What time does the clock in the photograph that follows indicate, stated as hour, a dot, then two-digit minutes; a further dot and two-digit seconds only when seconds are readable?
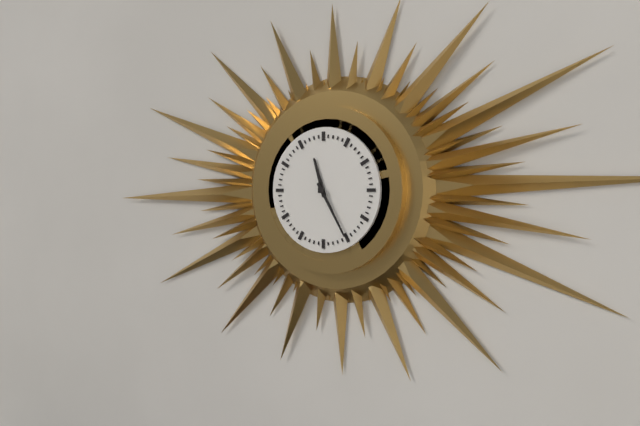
11.25
